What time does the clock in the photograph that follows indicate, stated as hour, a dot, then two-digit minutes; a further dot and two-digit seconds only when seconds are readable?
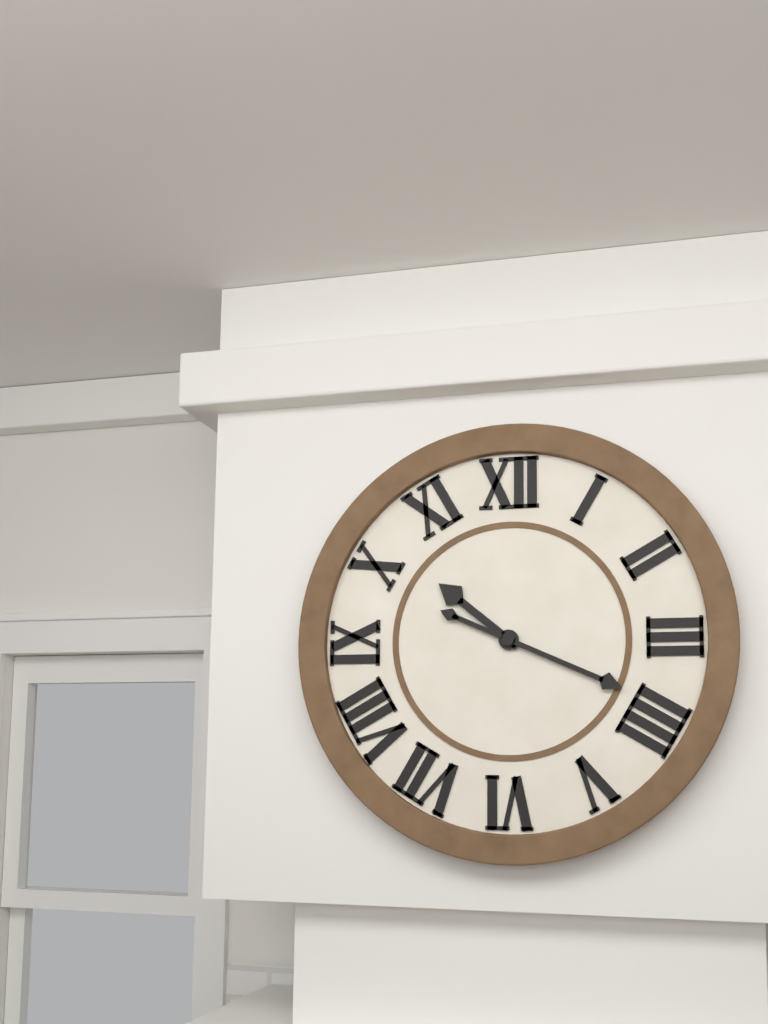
10.19
